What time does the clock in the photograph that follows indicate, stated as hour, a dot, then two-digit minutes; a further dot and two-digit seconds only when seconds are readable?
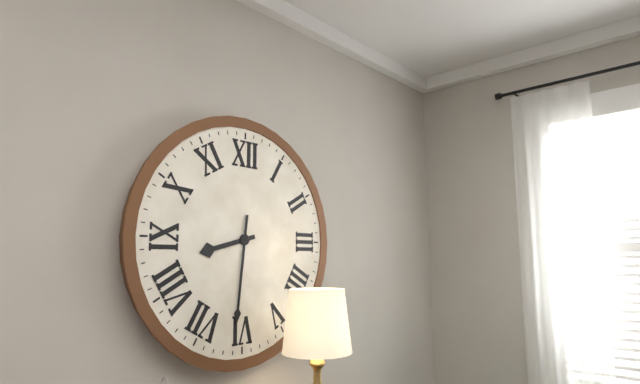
8.31
